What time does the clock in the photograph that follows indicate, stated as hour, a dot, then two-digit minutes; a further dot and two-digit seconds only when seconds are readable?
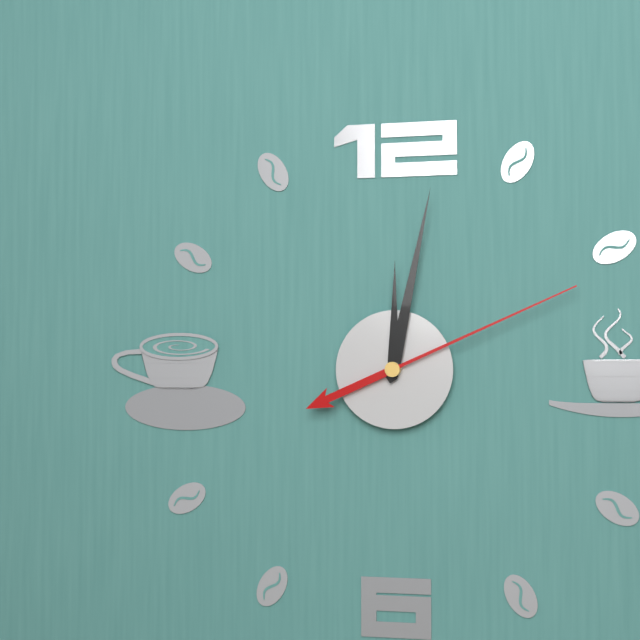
12.02.11
